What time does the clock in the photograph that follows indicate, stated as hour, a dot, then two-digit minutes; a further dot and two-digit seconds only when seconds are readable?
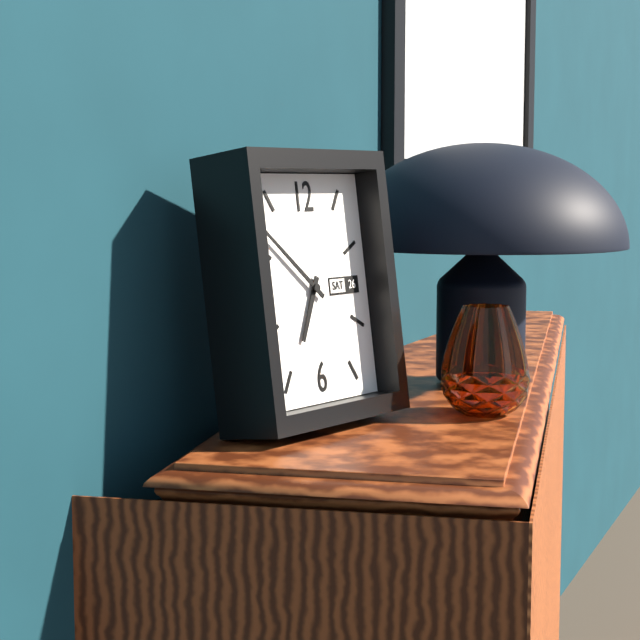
6.52
